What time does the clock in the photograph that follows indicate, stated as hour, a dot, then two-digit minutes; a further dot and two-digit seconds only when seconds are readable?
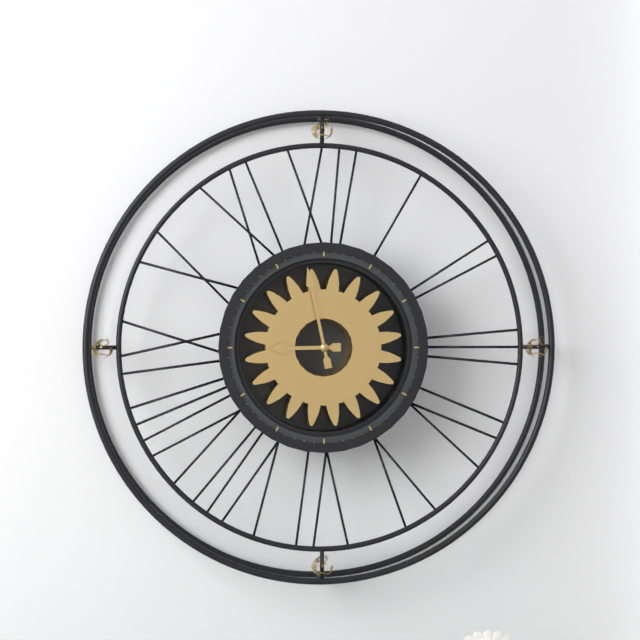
8.58
